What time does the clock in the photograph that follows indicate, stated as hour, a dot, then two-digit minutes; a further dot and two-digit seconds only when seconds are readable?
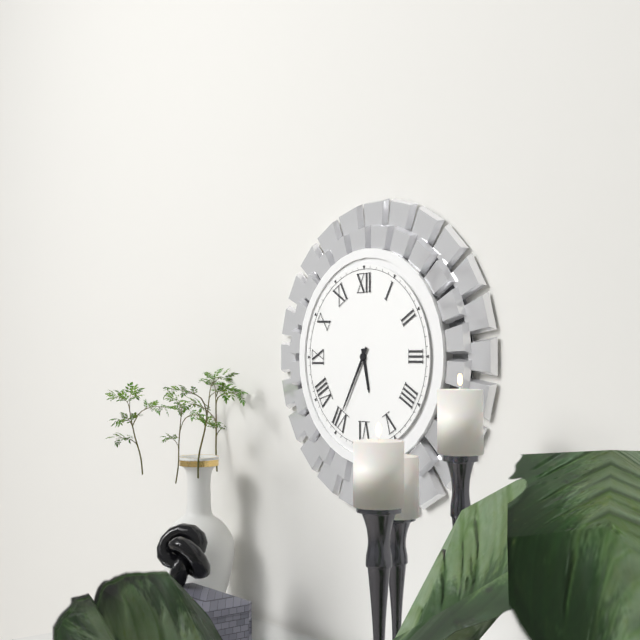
5.35
